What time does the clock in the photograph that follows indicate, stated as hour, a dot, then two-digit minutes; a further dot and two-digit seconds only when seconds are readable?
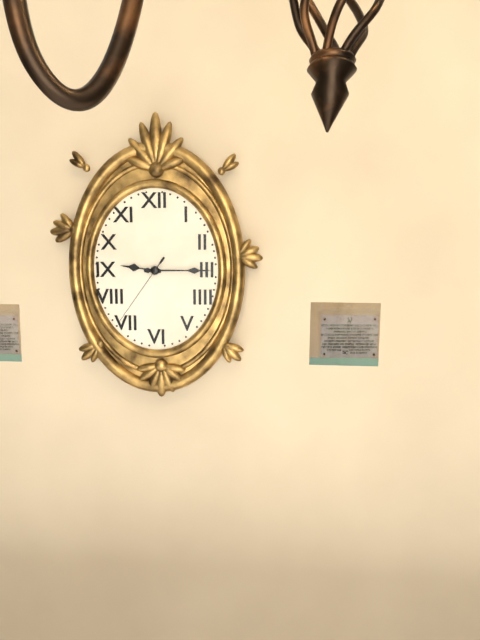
9.15.36
